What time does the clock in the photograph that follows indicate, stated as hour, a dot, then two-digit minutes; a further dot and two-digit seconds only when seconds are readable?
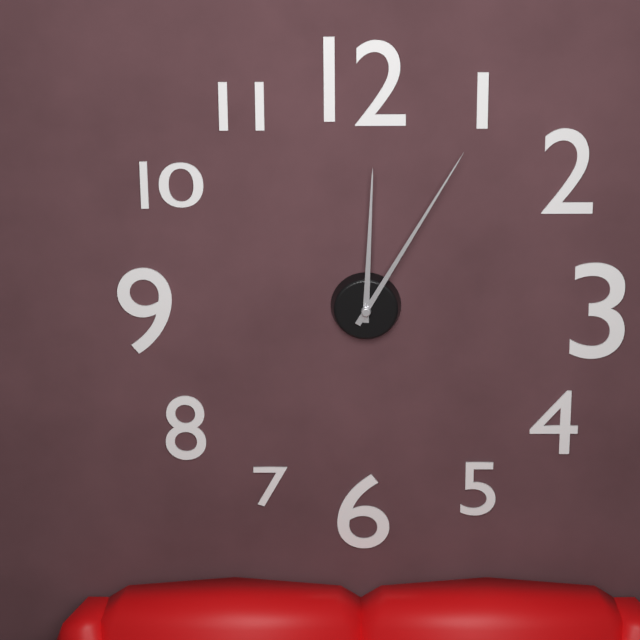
12.05
